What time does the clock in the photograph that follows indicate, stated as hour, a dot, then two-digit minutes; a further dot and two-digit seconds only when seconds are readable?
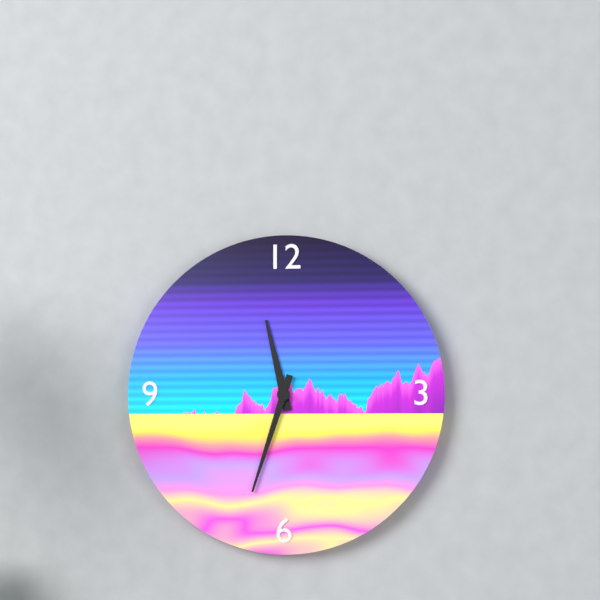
11.33
